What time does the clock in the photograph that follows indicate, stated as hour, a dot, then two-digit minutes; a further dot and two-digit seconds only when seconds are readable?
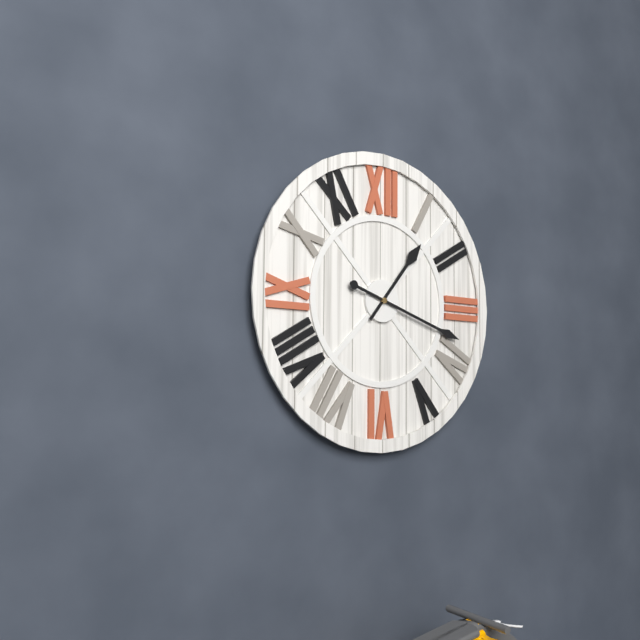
1.18
